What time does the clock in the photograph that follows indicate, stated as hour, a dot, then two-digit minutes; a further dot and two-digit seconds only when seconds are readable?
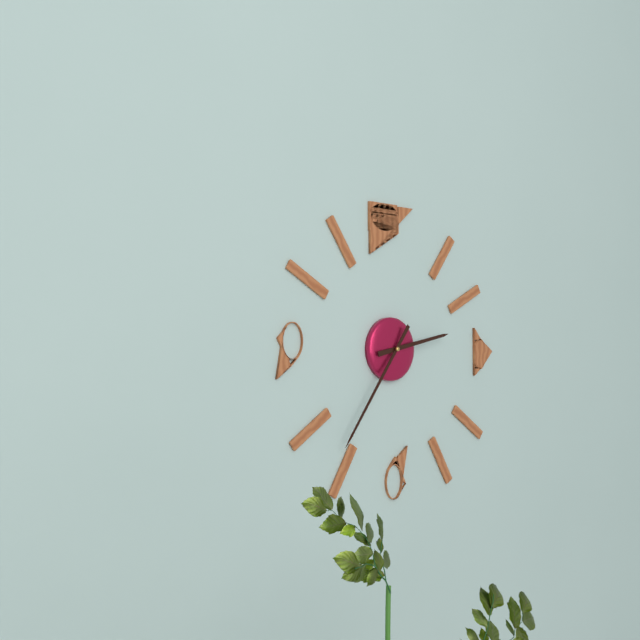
2.36
